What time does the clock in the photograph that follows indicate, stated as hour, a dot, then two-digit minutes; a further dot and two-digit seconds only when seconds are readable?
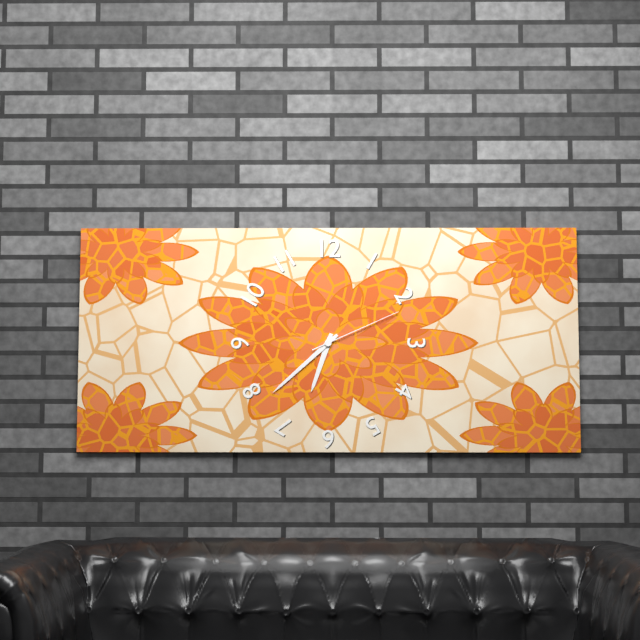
6.38.11
